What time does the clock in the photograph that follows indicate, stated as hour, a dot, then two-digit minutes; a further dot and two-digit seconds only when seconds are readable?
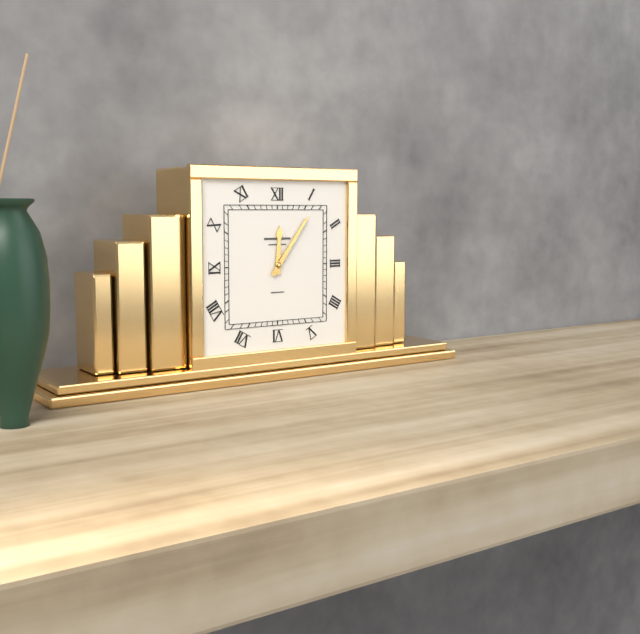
12.06
